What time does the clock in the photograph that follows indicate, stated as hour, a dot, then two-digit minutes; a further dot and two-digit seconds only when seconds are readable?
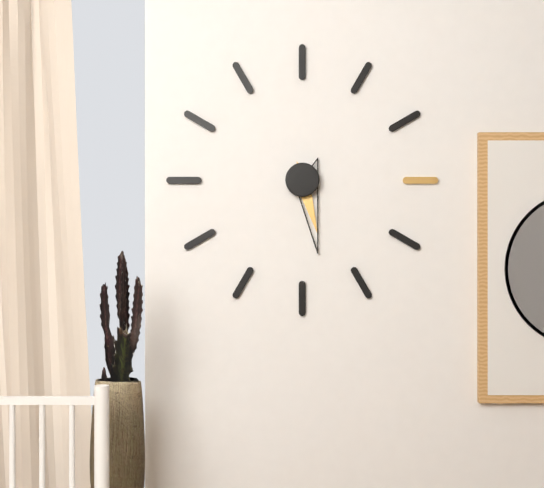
5.28
